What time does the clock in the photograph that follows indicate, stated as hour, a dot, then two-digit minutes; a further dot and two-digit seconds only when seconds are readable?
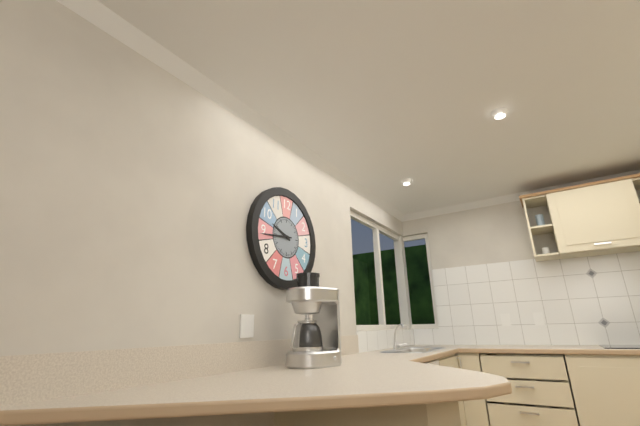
9.44
